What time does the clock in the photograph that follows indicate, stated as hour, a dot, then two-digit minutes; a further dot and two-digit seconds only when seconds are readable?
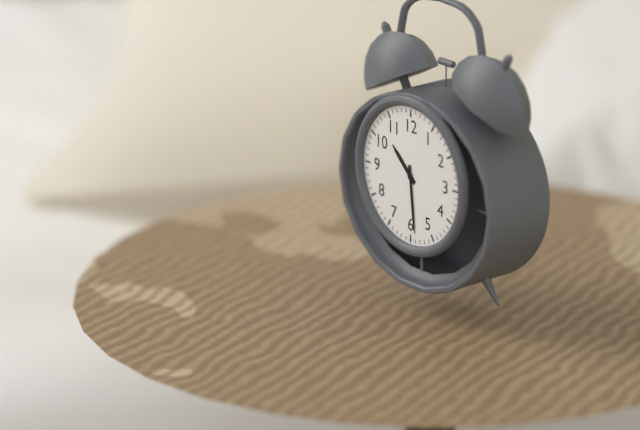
10.29
